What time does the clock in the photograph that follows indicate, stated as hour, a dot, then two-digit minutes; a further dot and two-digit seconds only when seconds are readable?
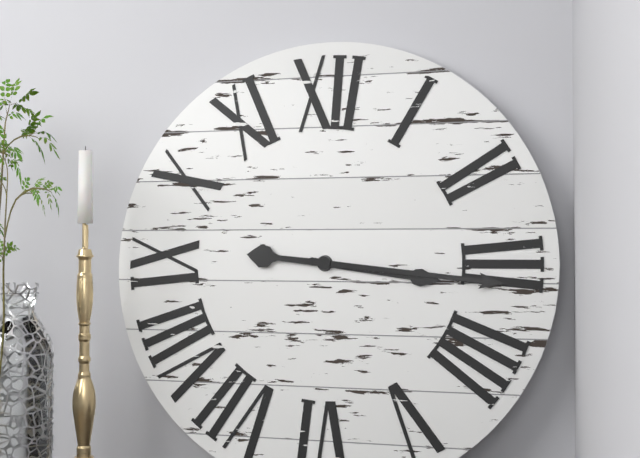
3.16
